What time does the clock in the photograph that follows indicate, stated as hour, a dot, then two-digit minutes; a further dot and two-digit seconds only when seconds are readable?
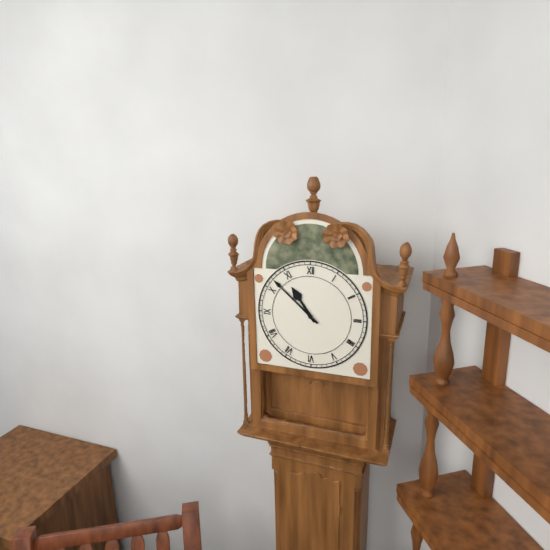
10.52
